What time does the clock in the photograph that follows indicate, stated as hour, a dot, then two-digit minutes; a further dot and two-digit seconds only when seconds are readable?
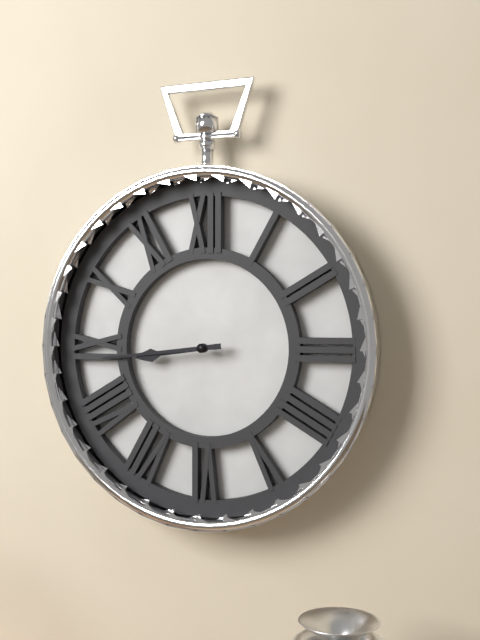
8.44
